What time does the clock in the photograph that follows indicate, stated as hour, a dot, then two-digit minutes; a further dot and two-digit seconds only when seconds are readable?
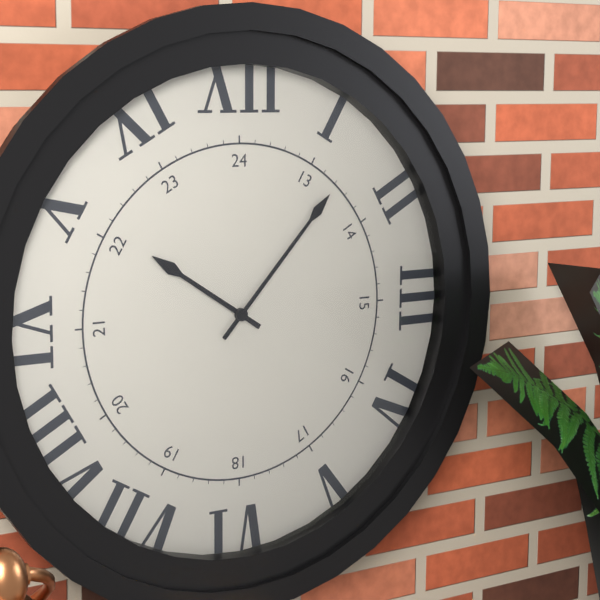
10.07
